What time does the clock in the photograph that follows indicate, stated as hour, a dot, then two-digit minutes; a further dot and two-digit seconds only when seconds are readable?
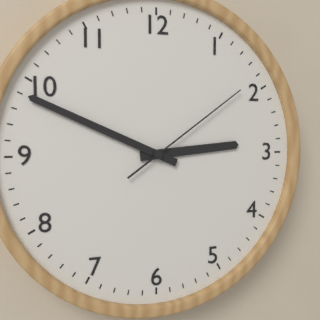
2.49.09
